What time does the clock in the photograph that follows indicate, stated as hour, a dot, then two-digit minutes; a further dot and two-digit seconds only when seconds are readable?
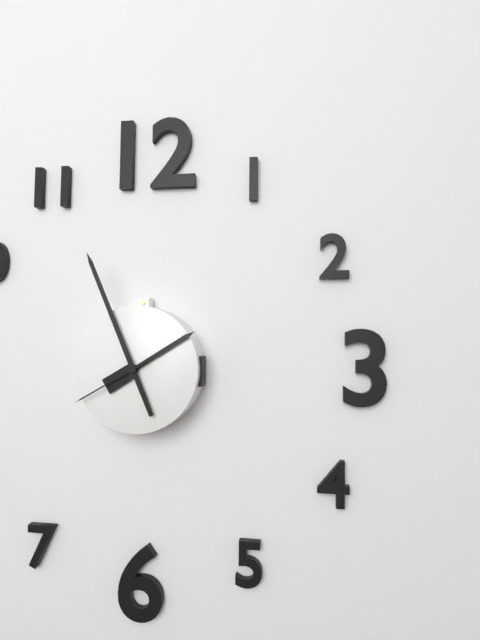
1.56.40
